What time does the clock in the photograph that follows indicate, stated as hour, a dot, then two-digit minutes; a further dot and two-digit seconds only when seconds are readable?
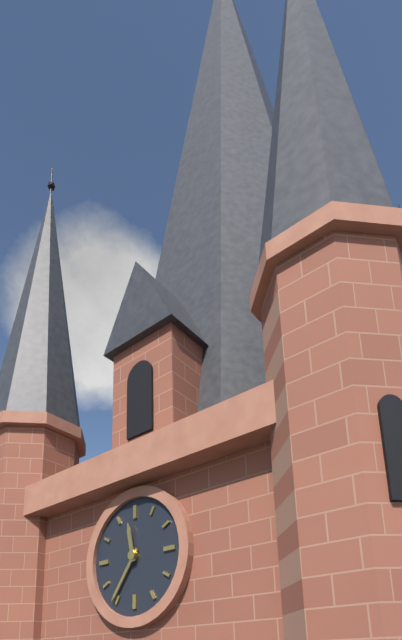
11.36
